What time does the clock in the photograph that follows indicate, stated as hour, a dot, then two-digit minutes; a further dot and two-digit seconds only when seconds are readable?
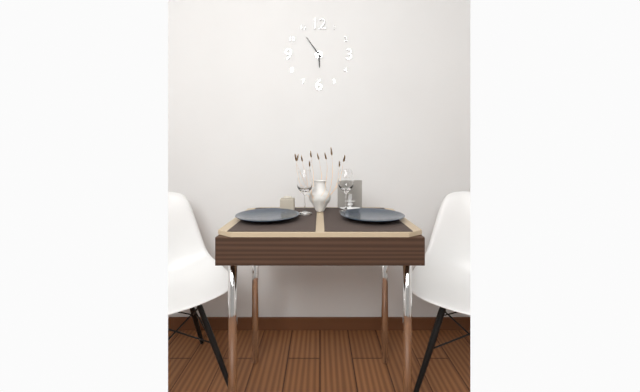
5.54
